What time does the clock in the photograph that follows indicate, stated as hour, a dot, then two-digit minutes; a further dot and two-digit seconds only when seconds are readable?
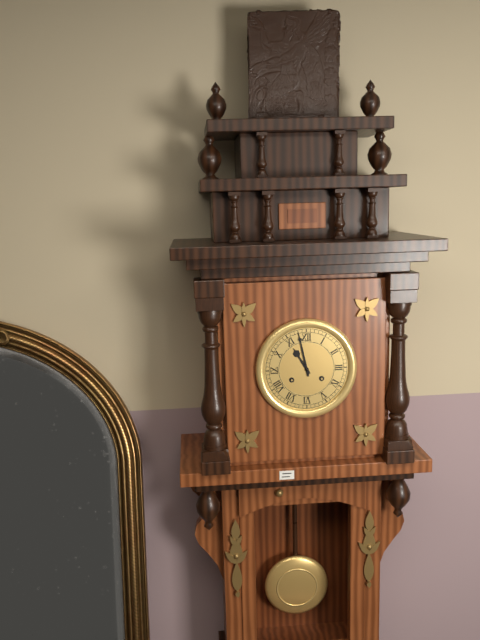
10.58
